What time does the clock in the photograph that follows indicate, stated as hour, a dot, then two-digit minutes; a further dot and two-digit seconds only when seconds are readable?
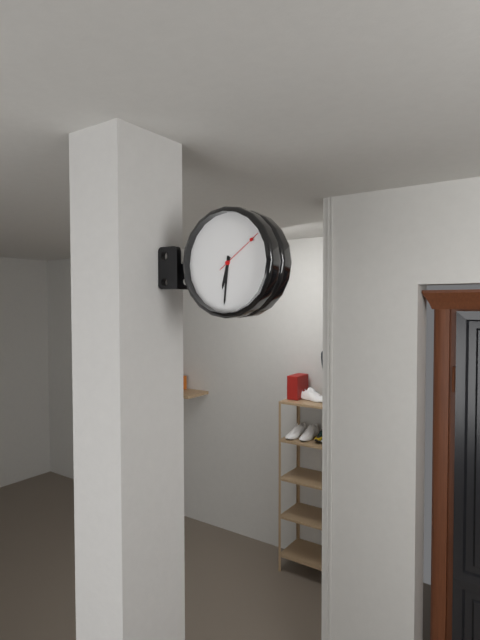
6.31.09
